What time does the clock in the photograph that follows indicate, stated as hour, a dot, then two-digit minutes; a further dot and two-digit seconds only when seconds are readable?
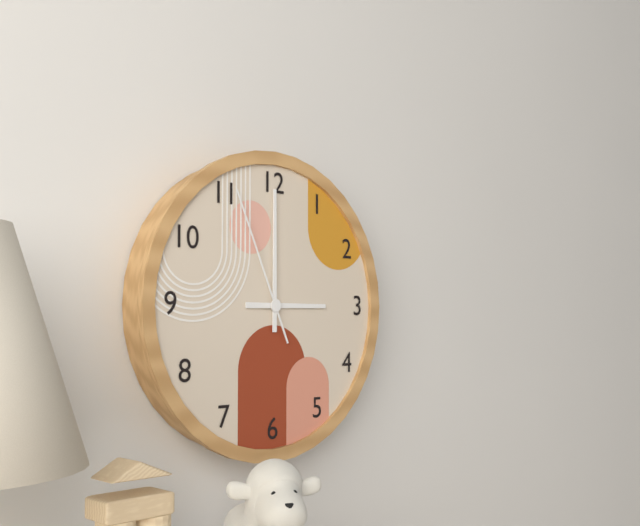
3.00.56
